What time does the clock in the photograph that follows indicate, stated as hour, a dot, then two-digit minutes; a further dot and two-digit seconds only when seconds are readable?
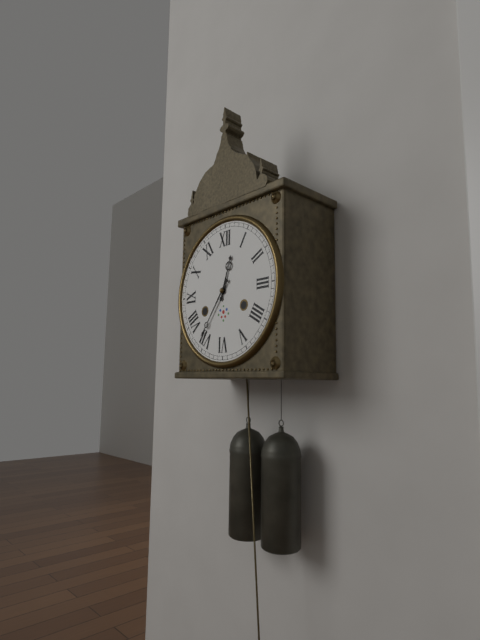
12.36
